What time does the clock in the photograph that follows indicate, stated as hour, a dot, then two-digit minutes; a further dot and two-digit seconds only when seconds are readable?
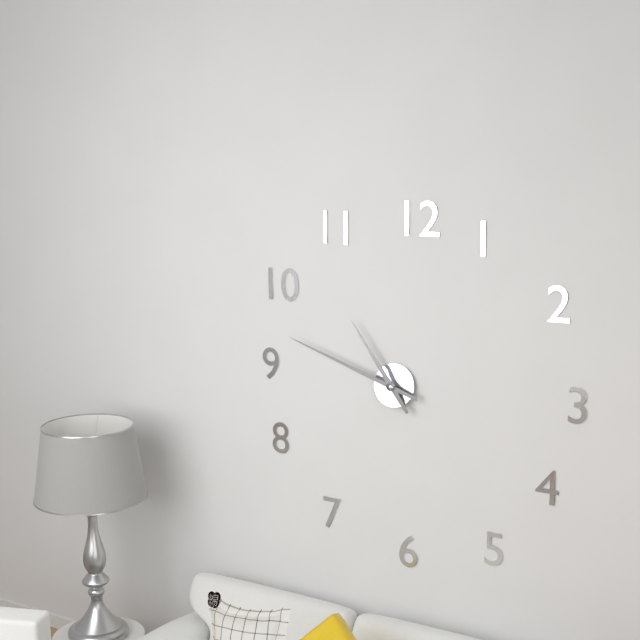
10.48
